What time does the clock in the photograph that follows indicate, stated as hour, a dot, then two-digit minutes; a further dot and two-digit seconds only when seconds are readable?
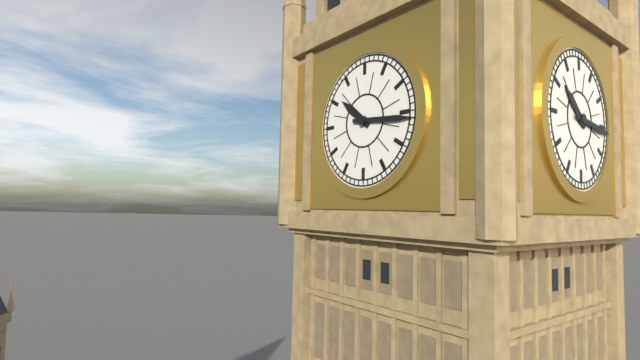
10.16
